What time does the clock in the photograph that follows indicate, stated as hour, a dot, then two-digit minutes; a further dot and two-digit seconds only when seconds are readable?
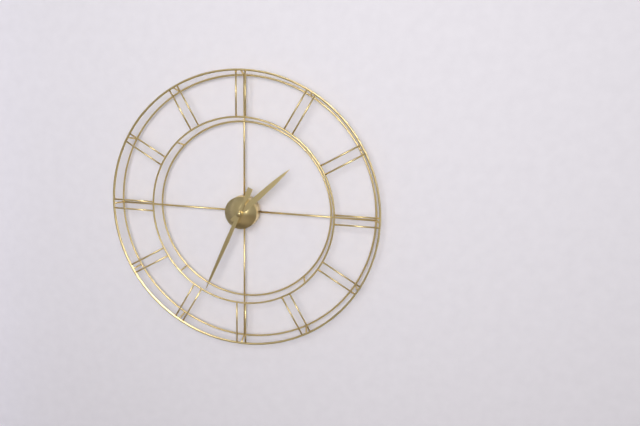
1.34
